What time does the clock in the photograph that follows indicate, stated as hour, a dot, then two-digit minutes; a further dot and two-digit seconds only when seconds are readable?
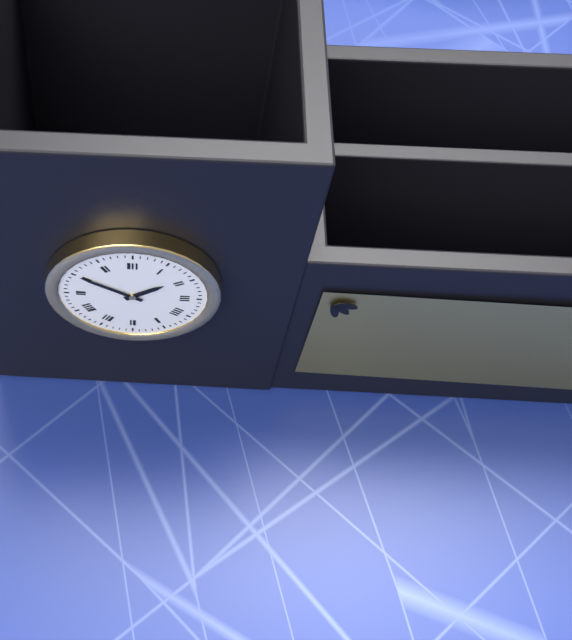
1.50
